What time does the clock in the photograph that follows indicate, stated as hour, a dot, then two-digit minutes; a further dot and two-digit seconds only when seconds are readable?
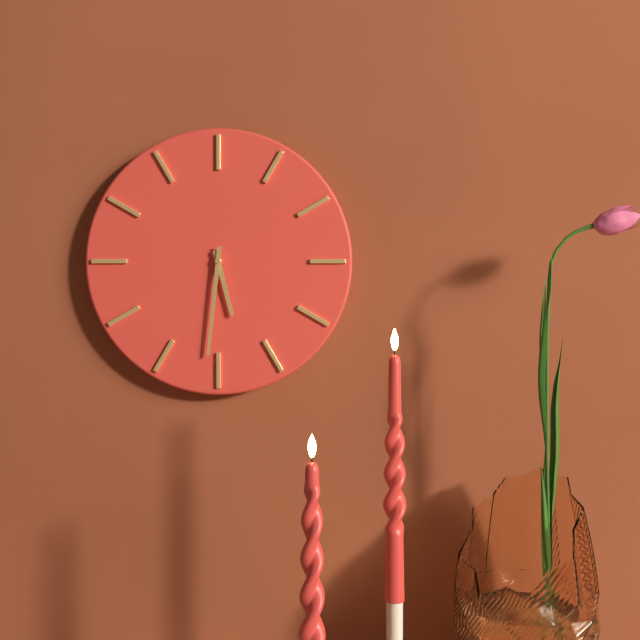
5.31
